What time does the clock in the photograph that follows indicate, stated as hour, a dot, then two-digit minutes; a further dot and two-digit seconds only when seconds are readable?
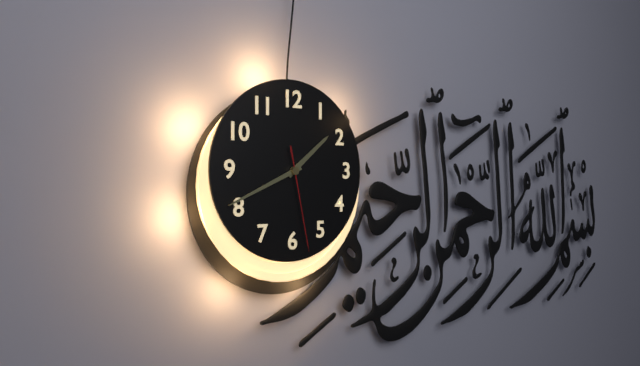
1.41.28
